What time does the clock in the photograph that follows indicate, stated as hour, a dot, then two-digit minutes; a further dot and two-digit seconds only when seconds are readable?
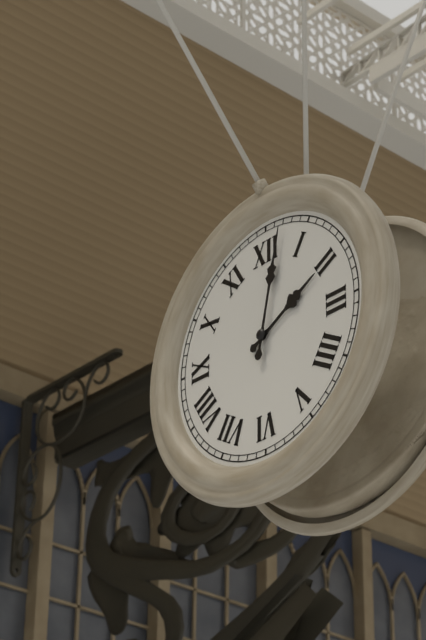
2.02
